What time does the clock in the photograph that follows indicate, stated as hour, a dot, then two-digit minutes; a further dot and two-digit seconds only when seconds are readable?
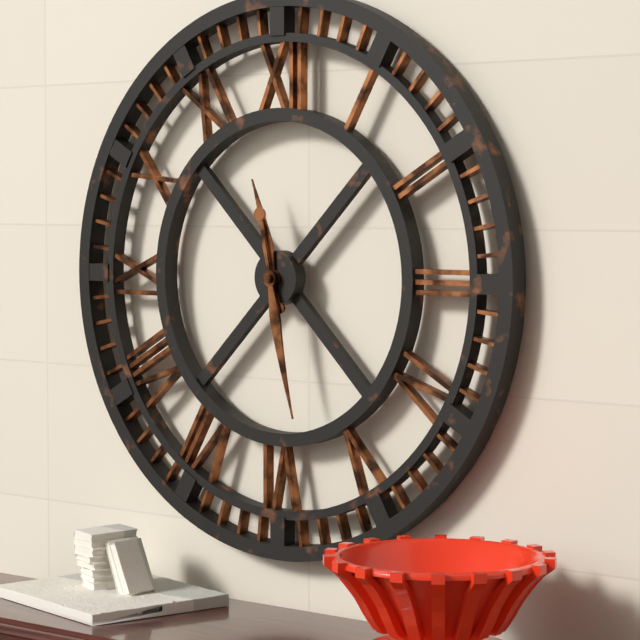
11.28
